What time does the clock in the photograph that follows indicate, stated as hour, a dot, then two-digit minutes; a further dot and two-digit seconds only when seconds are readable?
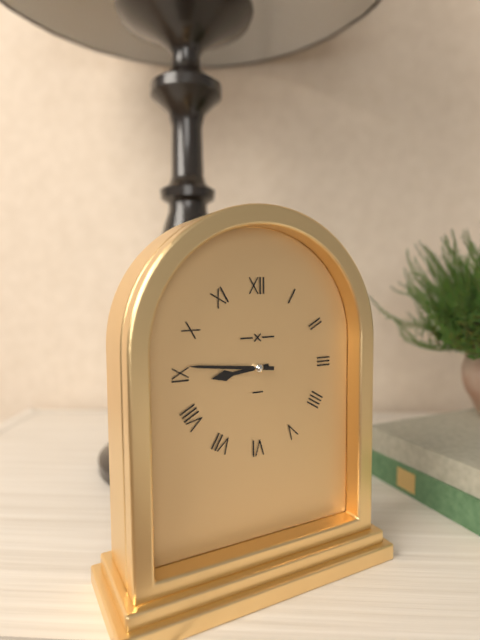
8.46
